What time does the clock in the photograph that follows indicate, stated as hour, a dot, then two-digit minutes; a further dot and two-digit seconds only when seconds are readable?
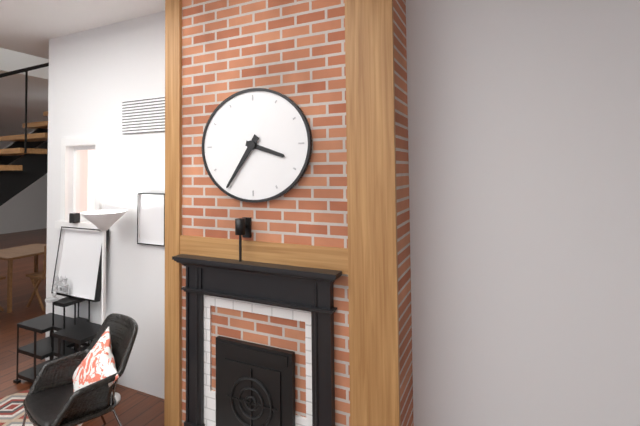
3.36
